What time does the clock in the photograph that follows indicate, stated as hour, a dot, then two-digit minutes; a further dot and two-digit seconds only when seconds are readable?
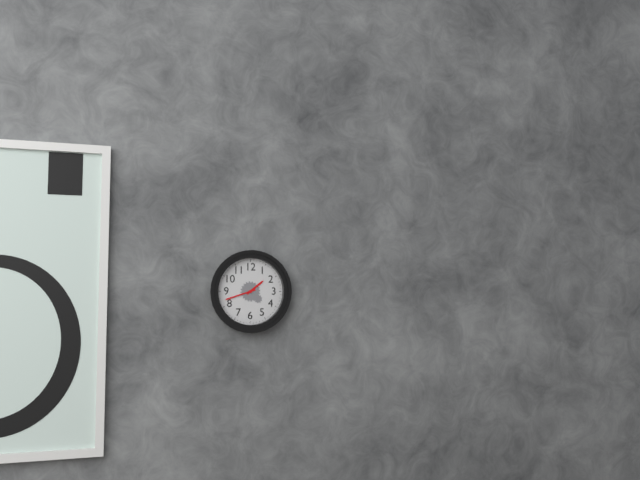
1.42
